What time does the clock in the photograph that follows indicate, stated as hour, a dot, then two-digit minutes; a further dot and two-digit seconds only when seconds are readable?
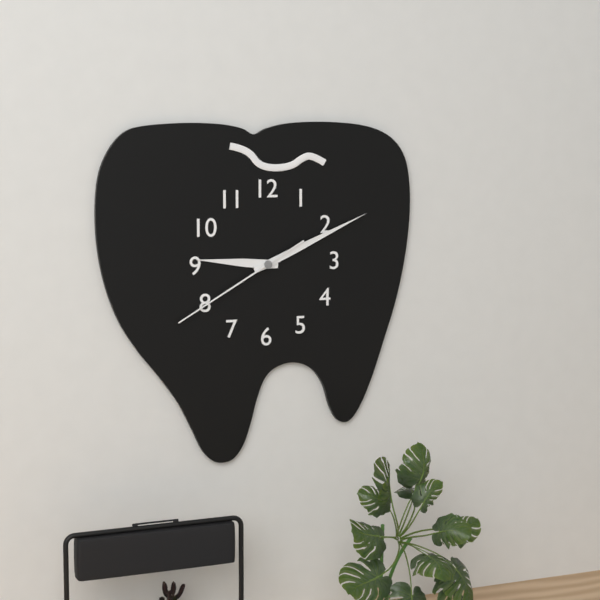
9.11.40
